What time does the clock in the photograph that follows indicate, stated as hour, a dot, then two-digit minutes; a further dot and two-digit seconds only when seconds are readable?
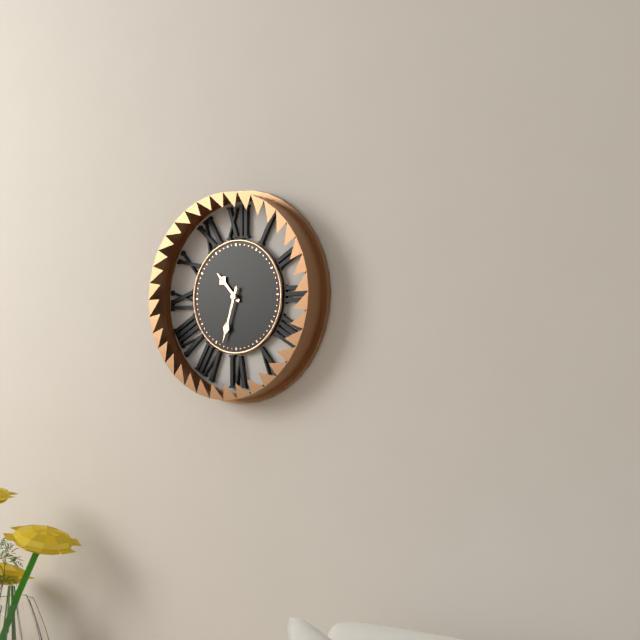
10.33
